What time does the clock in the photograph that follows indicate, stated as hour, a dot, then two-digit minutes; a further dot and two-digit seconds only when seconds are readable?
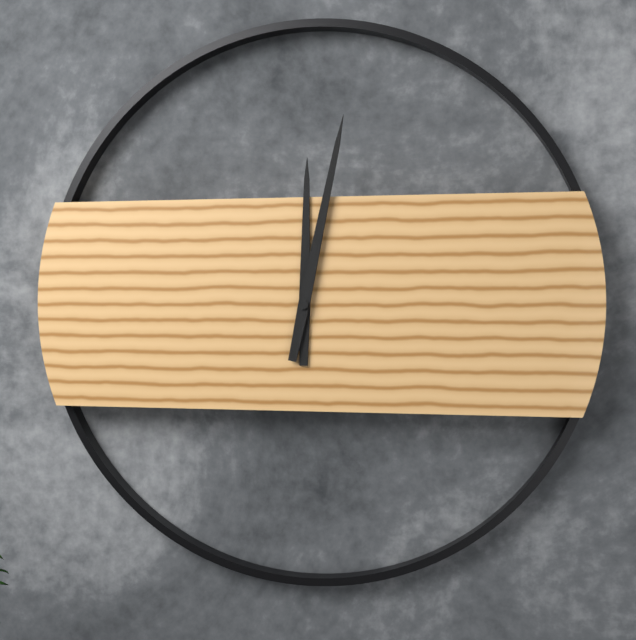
12.02
